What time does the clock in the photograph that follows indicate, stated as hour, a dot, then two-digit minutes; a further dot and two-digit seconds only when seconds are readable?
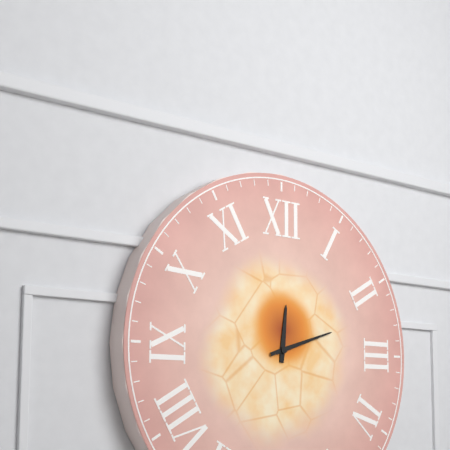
12.12
